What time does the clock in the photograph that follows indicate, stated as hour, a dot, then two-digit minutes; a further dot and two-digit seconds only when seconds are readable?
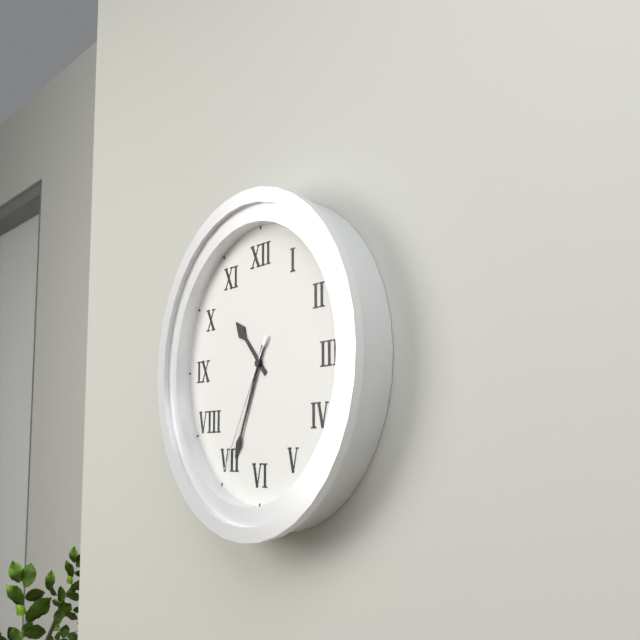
10.34.35
